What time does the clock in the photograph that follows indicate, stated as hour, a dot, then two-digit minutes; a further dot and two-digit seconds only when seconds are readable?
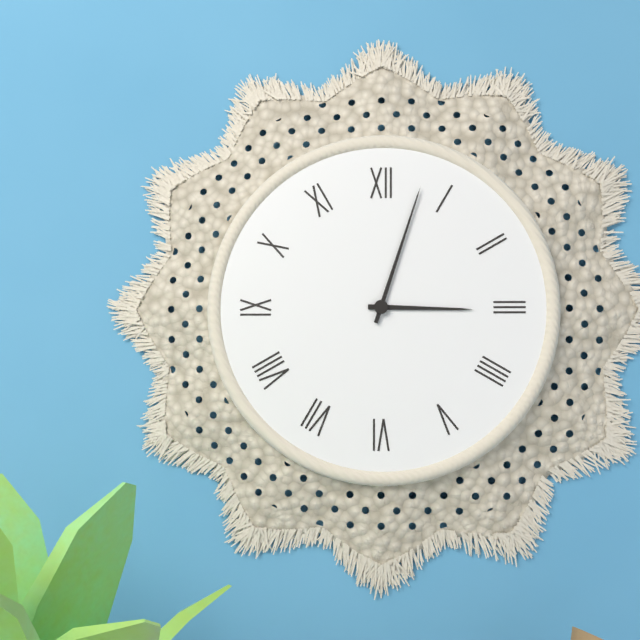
3.03
